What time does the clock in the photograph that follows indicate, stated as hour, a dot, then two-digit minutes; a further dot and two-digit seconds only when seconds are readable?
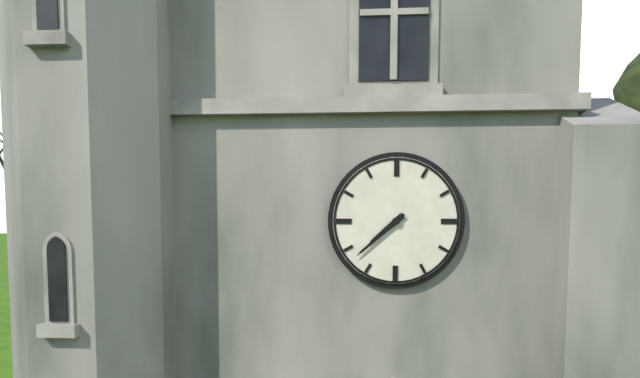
7.38
